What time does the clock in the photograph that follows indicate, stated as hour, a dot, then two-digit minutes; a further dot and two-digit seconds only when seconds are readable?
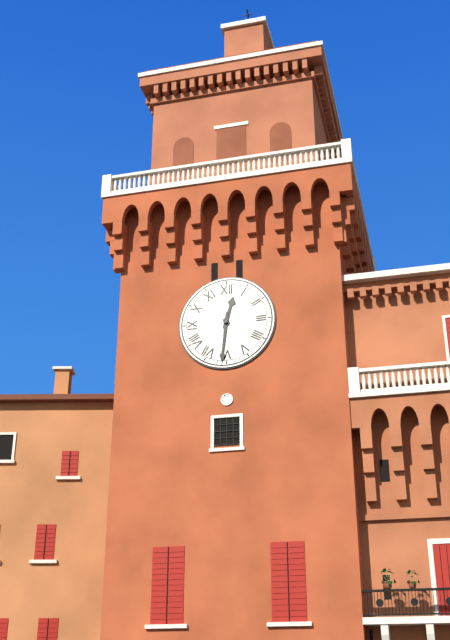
12.31
